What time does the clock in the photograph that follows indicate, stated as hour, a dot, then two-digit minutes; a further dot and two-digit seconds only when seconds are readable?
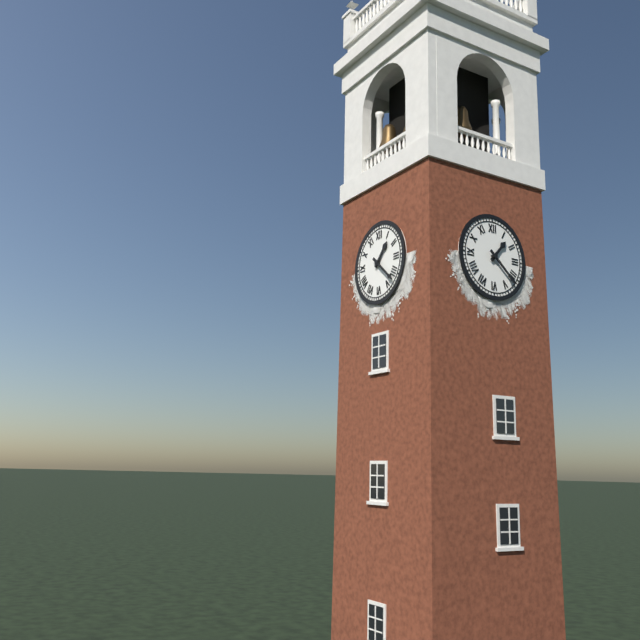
1.22
